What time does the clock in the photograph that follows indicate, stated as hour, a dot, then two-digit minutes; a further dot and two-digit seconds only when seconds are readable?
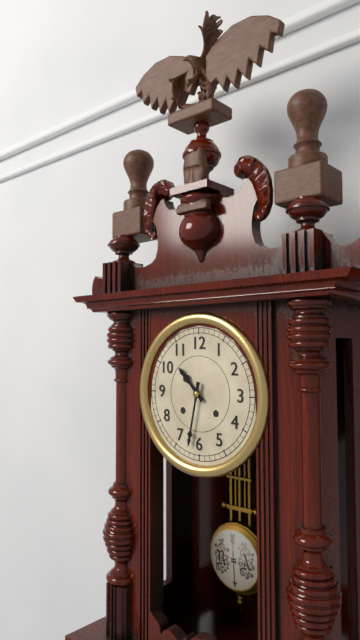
10.32
